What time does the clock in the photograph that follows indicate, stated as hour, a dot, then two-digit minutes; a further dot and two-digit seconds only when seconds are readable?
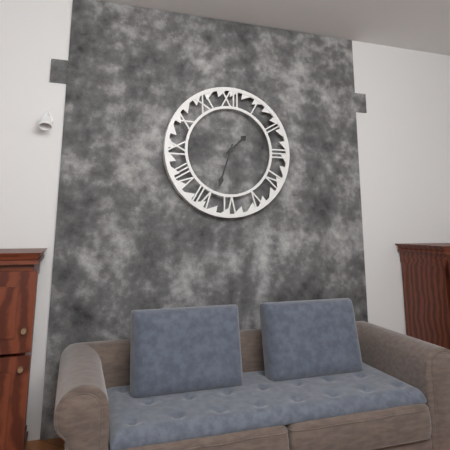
1.33
